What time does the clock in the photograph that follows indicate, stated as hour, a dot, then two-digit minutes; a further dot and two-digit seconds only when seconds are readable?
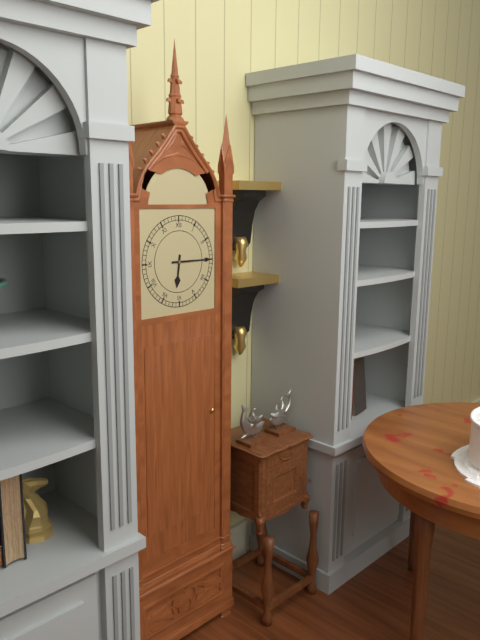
6.15
